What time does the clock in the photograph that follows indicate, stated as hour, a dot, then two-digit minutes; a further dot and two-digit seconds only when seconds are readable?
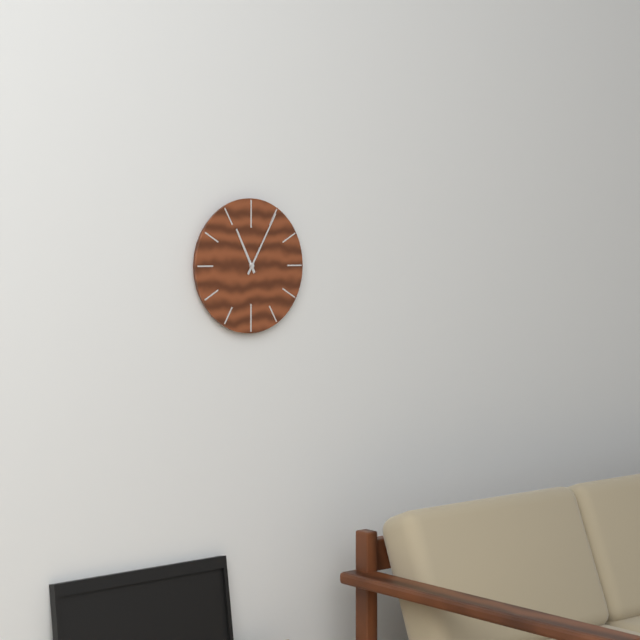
11.05
